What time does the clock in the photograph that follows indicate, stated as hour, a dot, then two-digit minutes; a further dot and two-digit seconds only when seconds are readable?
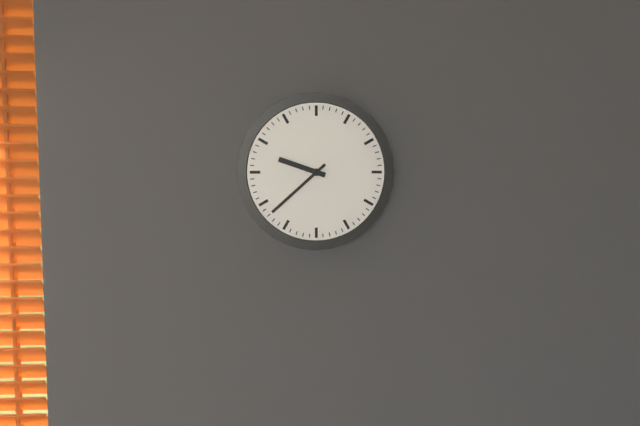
9.38
